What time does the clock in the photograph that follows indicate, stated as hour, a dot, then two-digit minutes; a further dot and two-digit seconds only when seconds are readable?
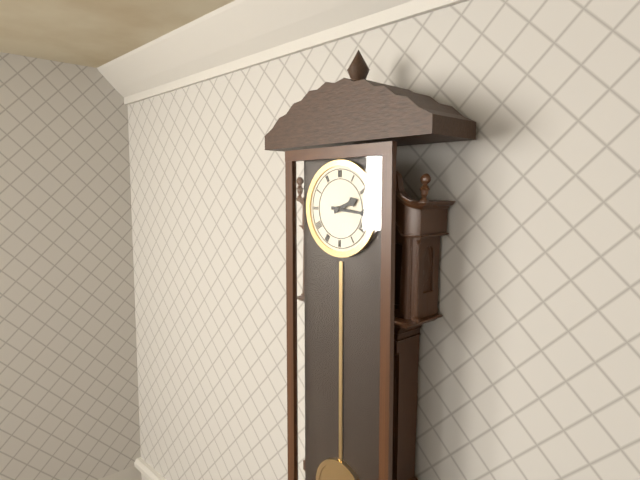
2.16
